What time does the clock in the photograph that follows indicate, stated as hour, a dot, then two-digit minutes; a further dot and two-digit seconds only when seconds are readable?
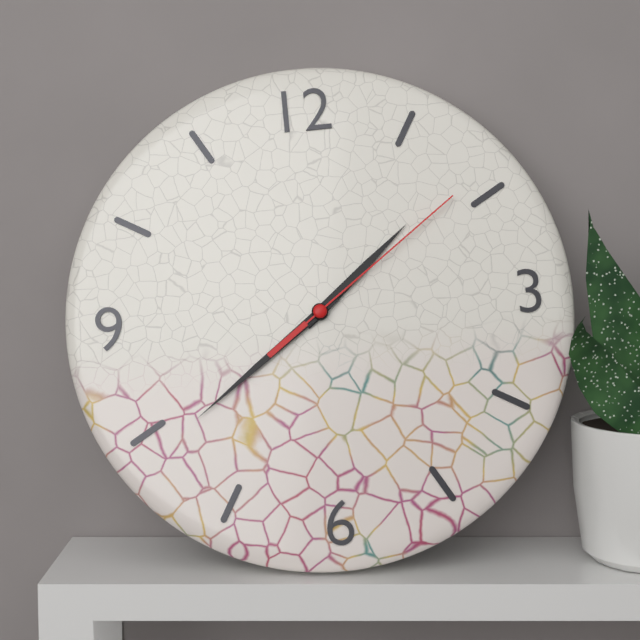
1.39.09
